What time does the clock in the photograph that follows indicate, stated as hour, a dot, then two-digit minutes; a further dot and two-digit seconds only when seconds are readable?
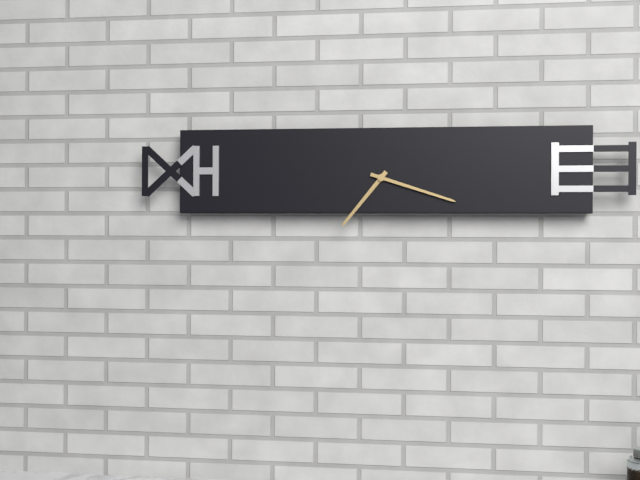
7.18
